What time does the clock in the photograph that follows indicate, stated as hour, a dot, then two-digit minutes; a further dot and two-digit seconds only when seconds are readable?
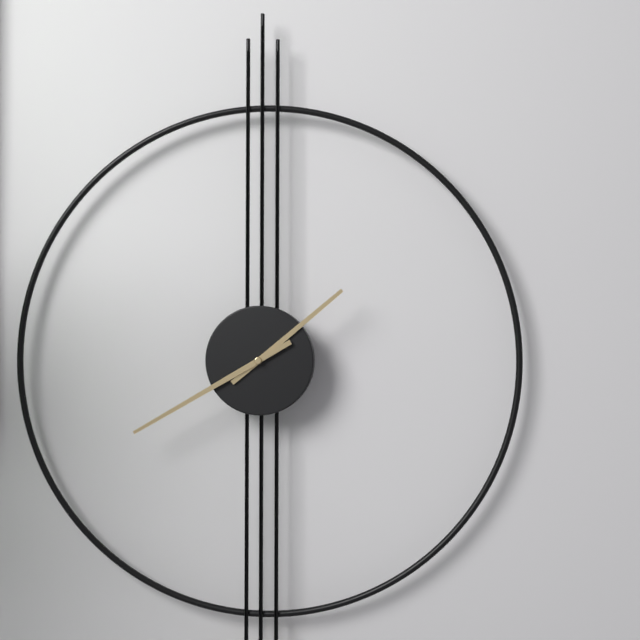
1.40
